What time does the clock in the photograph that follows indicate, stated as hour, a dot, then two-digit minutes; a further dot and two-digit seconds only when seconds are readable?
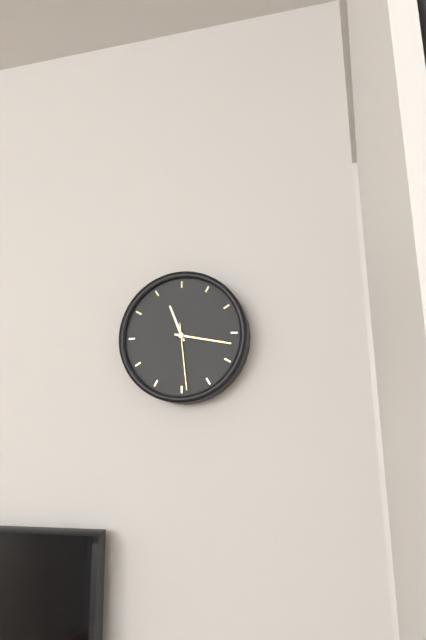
11.17.29
